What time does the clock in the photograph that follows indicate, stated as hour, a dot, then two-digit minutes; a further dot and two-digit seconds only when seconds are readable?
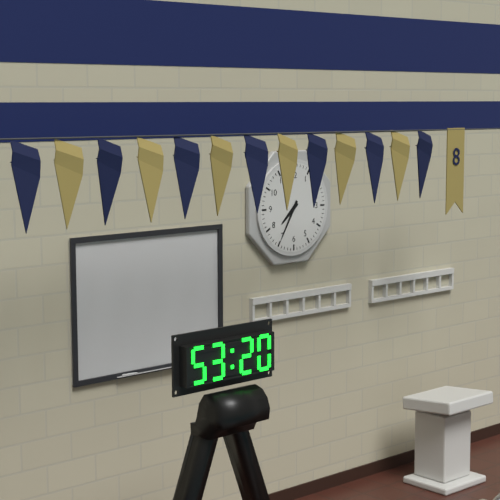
7.35
